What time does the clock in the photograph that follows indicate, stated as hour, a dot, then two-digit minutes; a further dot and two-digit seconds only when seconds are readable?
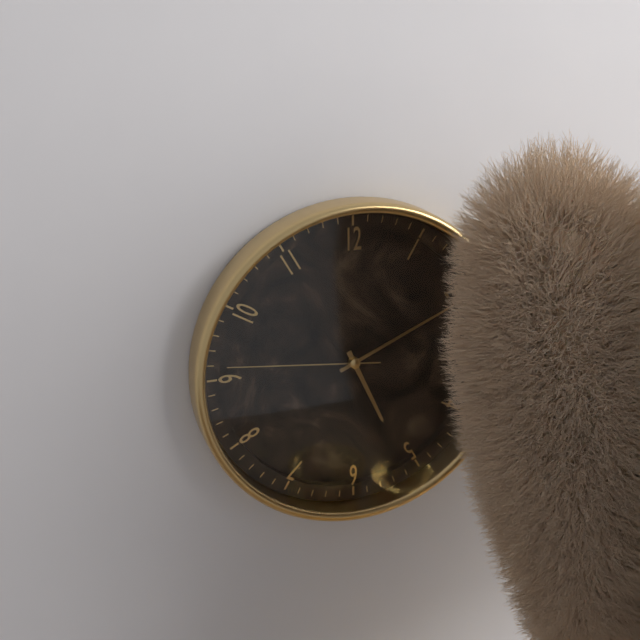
5.11.46
